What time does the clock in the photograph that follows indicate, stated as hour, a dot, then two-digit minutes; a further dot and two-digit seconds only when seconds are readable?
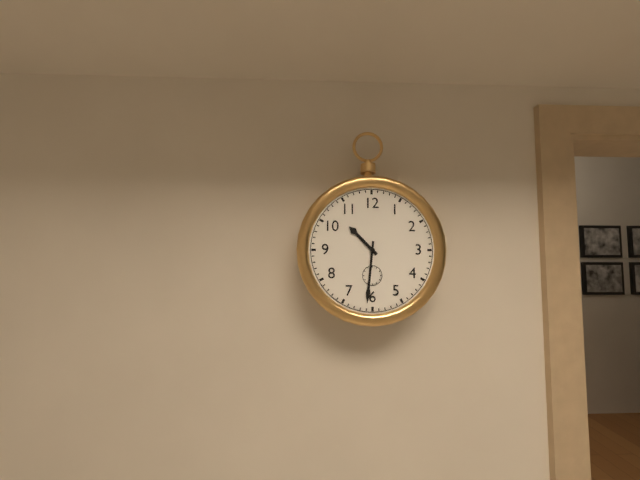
10.31
